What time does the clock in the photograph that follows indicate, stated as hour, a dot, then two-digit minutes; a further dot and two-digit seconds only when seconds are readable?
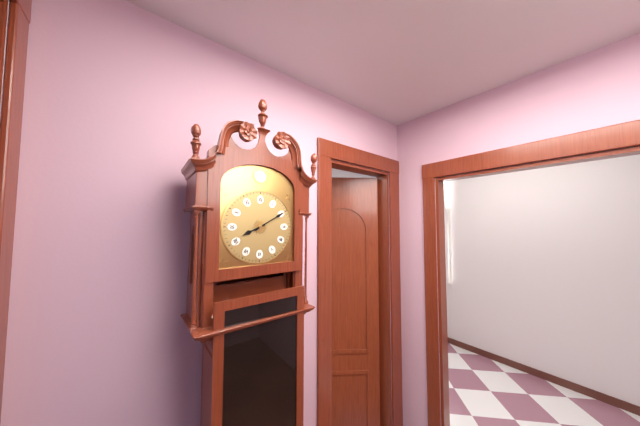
8.10
